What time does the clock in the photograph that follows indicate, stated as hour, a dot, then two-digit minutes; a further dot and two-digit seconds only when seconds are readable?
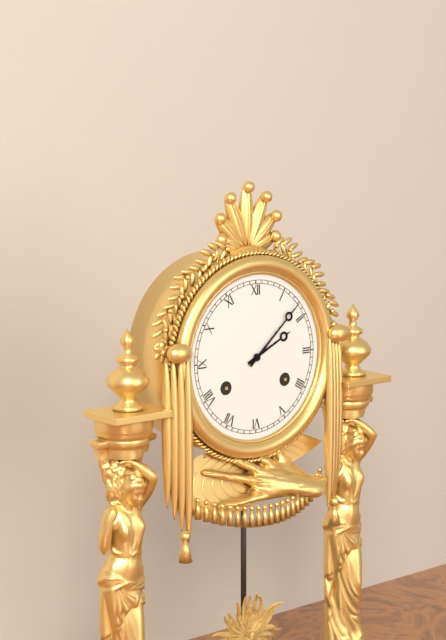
2.08
